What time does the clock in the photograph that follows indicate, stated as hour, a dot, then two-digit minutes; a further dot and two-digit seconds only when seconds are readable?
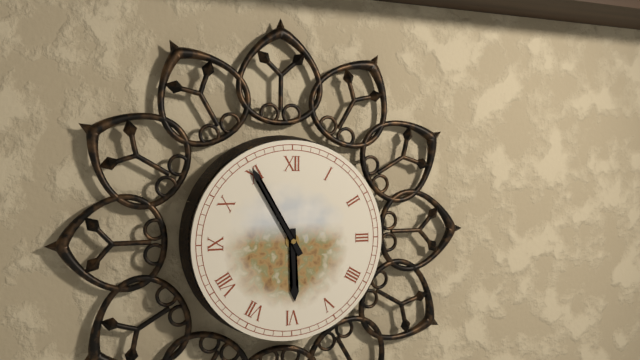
5.55
